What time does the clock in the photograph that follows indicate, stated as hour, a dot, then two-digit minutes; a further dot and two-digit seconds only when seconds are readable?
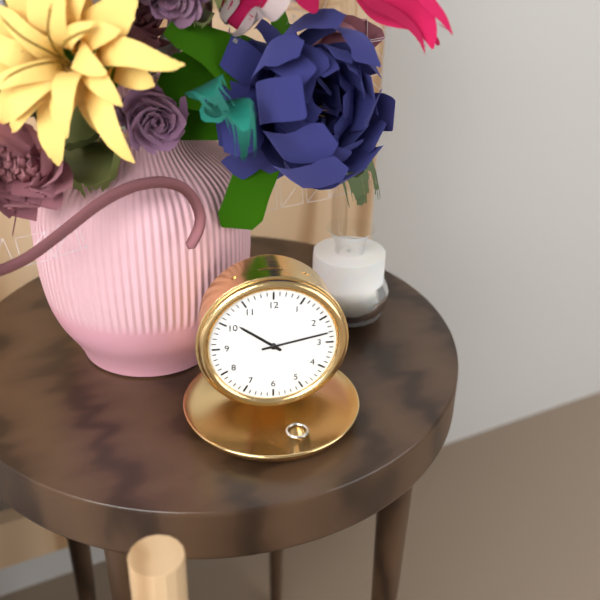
10.13
